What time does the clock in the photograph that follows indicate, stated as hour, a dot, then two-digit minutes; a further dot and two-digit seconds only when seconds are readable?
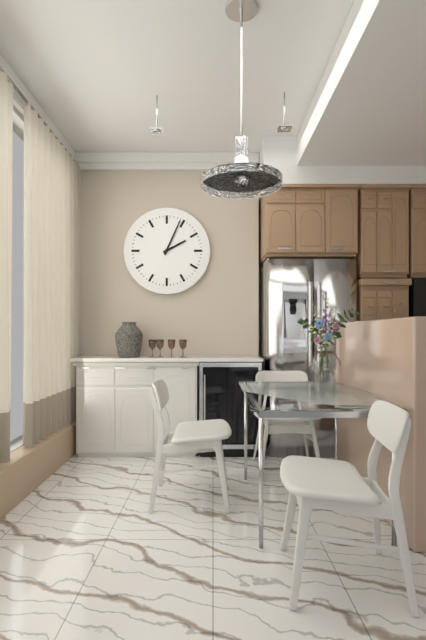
2.04
